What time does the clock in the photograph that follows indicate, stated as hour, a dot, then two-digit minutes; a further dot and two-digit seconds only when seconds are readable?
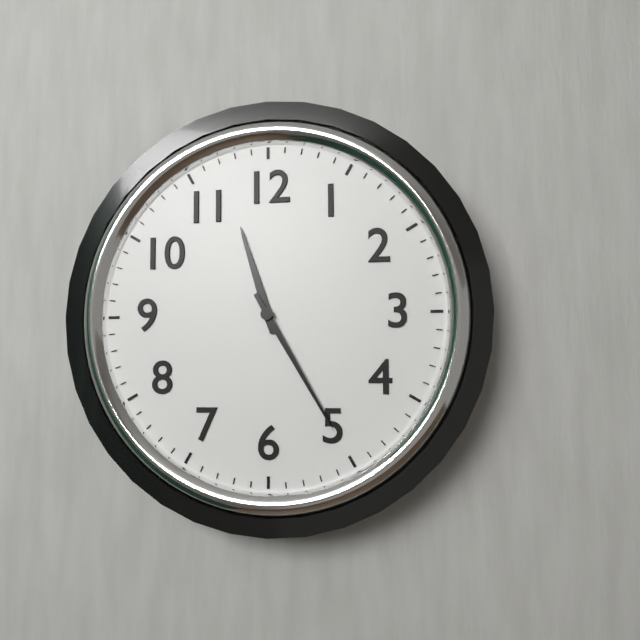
11.25
